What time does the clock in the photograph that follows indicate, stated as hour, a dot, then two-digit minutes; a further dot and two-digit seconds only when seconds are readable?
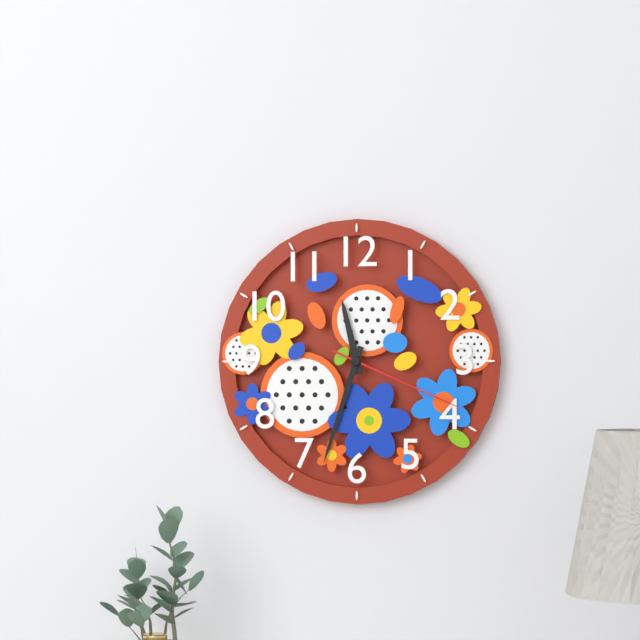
11.33.19
